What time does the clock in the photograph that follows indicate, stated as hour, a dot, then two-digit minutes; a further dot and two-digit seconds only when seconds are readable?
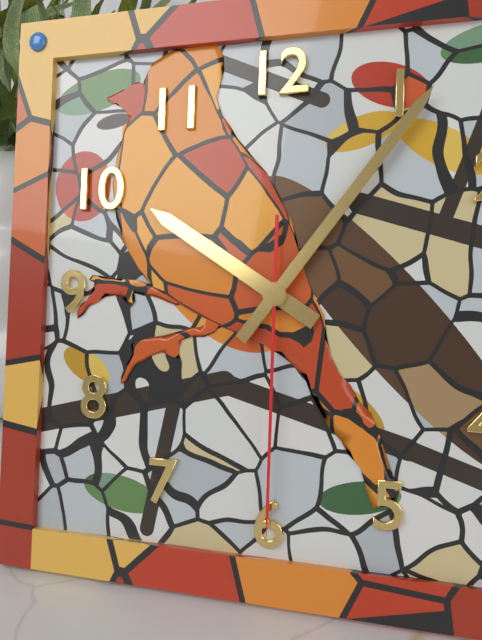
10.06.30
